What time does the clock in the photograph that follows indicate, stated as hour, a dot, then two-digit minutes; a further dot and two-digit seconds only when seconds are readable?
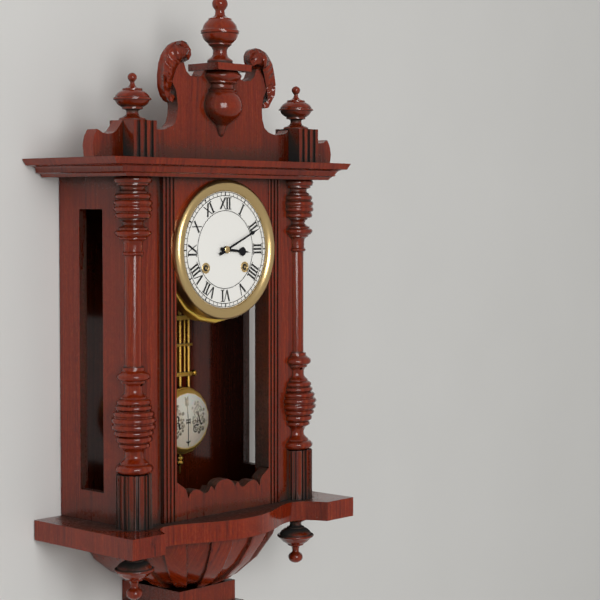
3.11
